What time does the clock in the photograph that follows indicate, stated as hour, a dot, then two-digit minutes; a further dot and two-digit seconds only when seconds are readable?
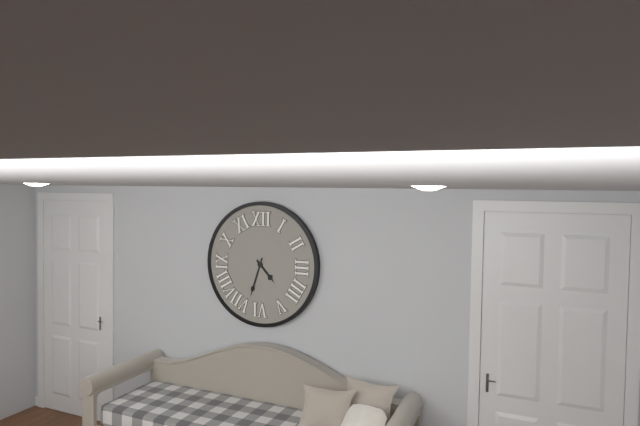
4.33
